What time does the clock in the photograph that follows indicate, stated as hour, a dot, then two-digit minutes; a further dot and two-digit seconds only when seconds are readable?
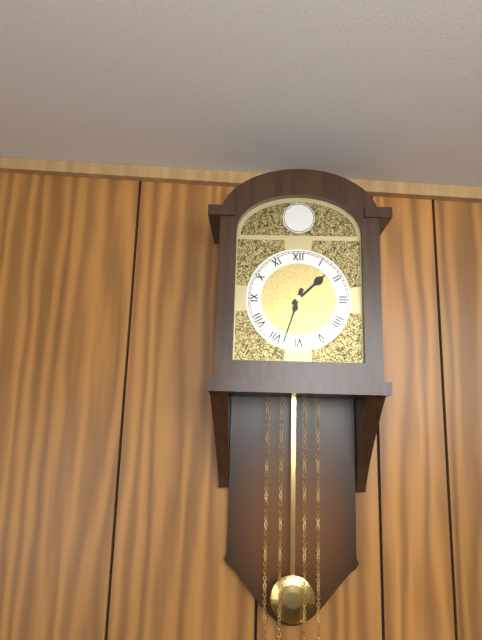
1.33
